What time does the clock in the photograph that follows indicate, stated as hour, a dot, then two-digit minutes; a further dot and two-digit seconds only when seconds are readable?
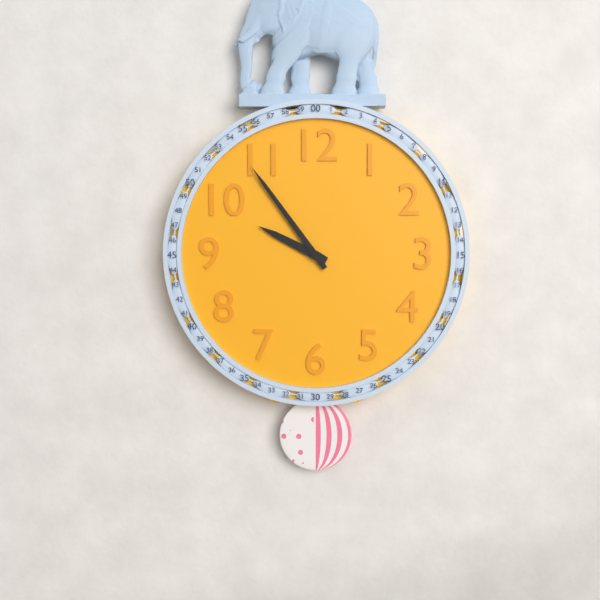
9.54
